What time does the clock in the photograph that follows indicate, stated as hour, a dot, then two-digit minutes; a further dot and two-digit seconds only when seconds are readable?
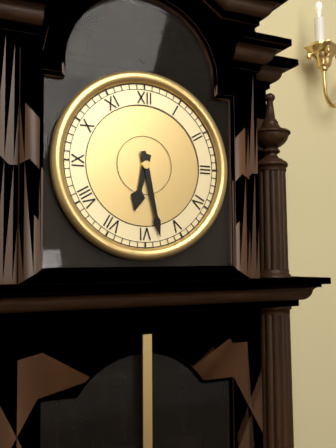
6.28
